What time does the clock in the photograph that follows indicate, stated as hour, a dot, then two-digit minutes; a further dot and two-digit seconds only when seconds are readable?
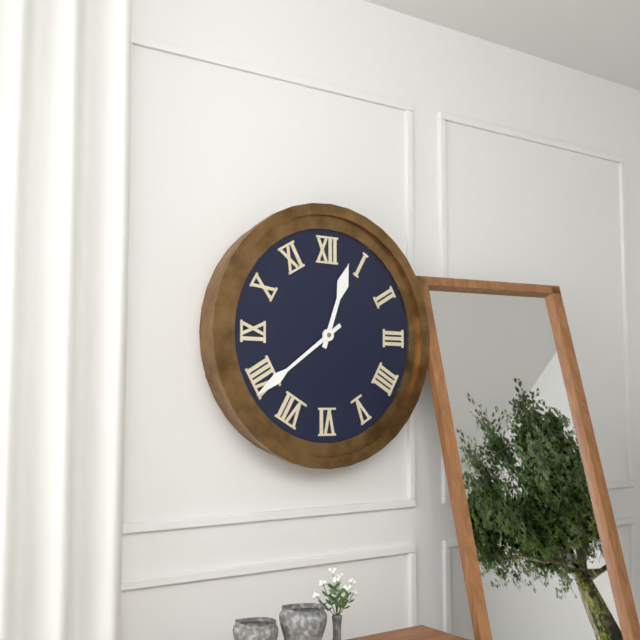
12.39
